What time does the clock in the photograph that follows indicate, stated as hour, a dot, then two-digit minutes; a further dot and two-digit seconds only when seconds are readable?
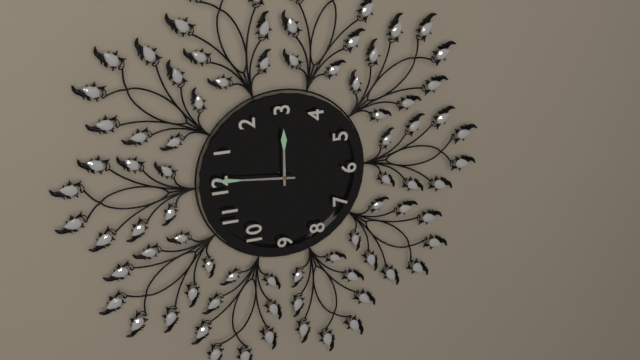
3.01
